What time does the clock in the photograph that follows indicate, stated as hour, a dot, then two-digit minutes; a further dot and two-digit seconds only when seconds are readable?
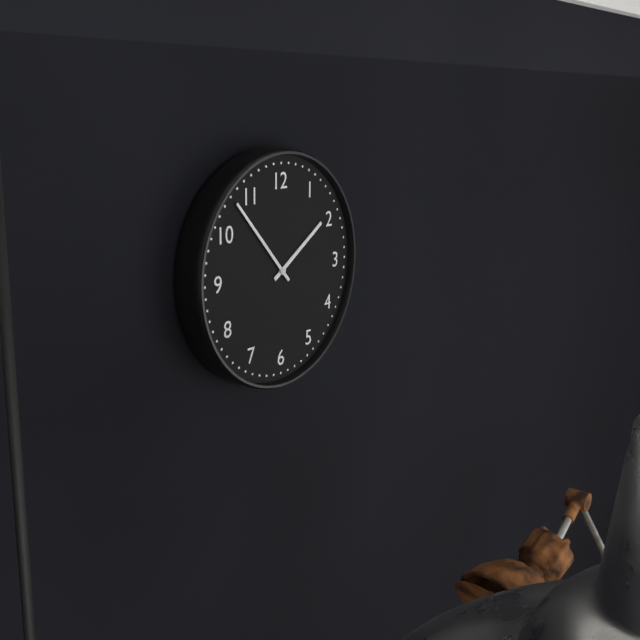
1.53
